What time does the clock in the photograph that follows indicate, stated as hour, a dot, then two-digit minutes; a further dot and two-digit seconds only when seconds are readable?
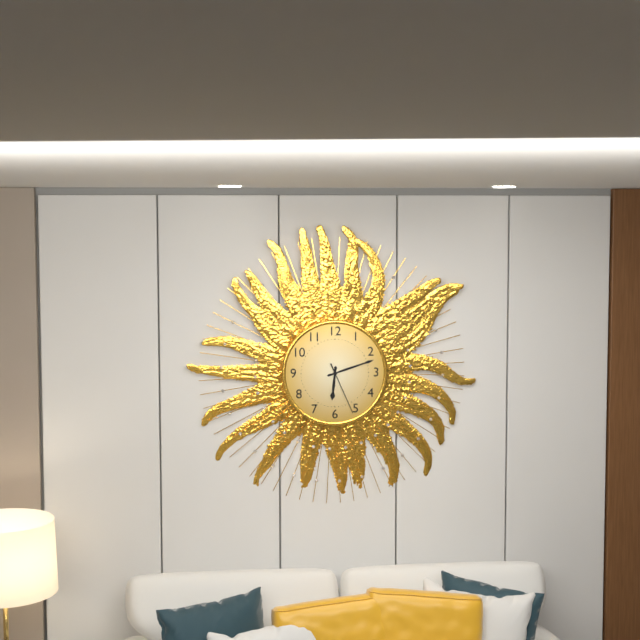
6.12.26
